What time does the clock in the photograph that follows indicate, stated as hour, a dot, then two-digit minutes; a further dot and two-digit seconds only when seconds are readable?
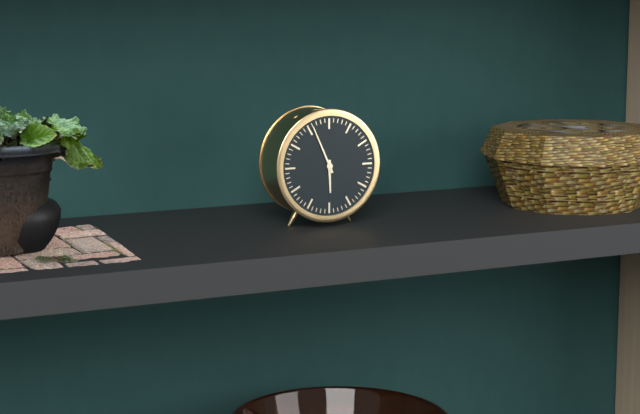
5.56
